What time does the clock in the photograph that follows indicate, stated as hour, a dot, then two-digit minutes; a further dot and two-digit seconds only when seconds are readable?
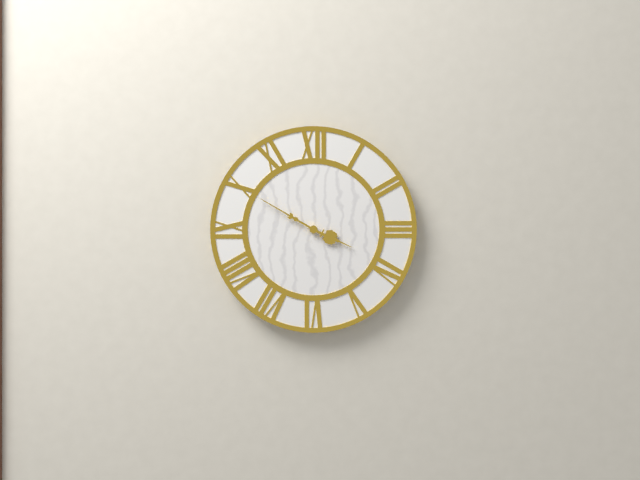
3.50
